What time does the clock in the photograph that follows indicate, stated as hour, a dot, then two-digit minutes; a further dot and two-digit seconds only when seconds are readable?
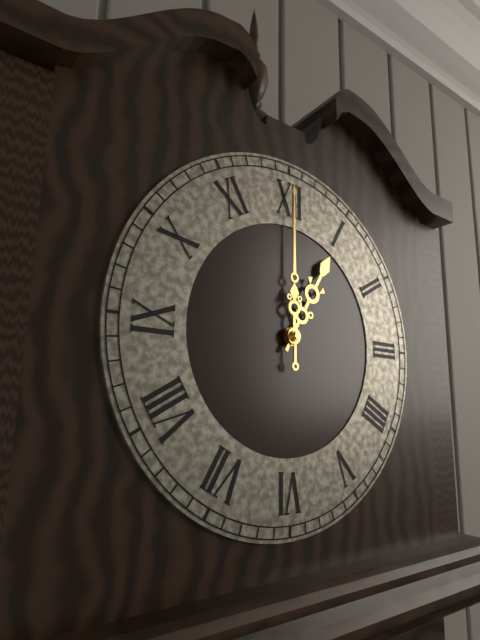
1.00
